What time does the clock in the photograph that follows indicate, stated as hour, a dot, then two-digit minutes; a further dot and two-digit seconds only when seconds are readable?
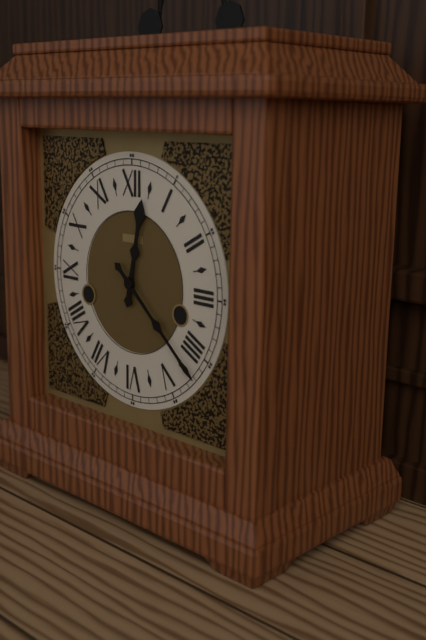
12.22
